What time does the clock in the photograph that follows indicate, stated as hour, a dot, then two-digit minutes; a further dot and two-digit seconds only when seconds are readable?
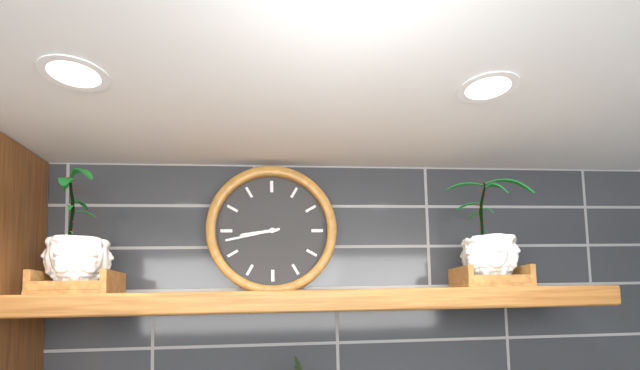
8.43
